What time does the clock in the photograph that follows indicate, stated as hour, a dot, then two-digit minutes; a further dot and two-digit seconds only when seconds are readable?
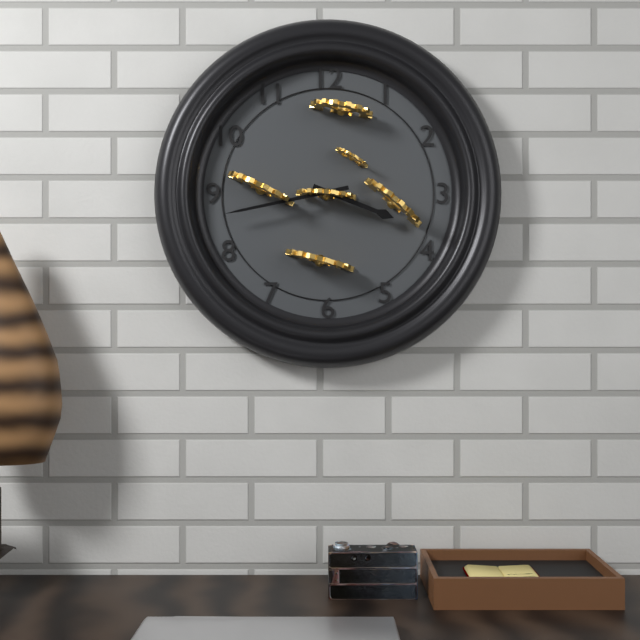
3.43
